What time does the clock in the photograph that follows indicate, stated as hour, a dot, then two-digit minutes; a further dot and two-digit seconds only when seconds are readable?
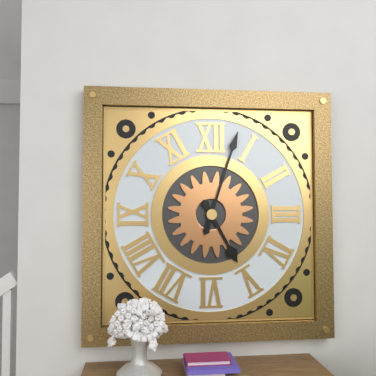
5.03
